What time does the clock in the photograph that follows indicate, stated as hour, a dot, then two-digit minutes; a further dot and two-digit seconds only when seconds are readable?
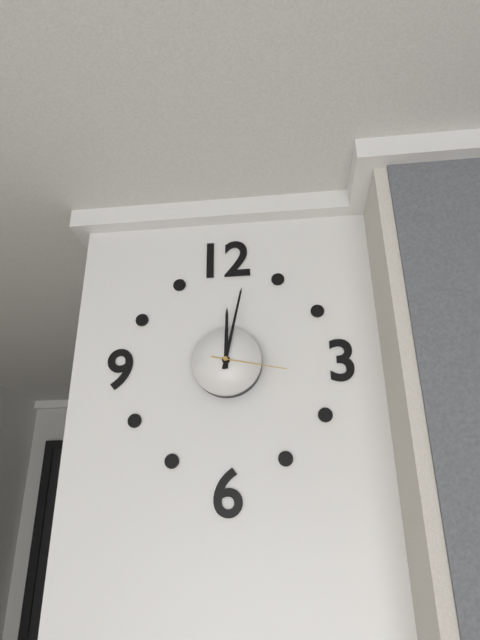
12.02.17
